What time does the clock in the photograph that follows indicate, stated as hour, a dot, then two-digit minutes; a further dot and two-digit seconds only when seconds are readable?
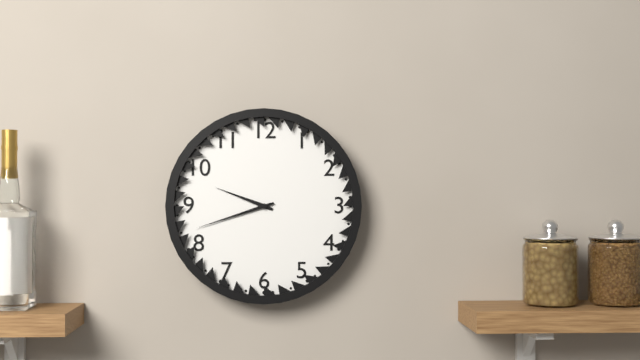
9.42
